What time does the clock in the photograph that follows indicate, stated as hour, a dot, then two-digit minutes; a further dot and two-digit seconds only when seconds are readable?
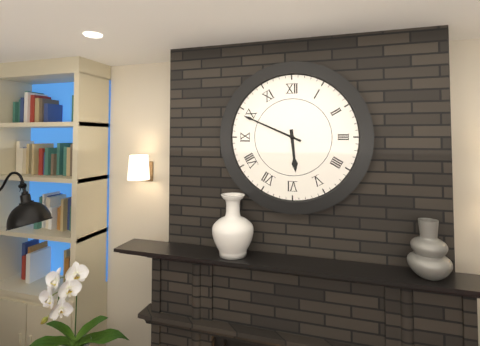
5.49
